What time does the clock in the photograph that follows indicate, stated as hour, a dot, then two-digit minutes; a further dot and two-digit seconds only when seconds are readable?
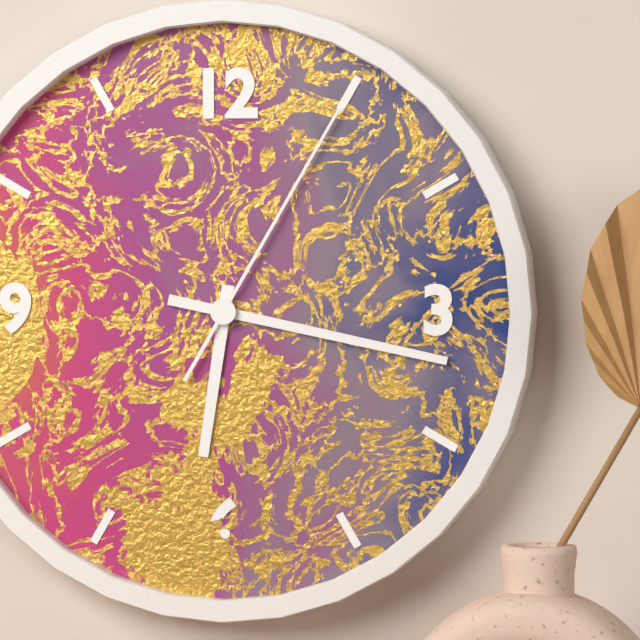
6.17.05
